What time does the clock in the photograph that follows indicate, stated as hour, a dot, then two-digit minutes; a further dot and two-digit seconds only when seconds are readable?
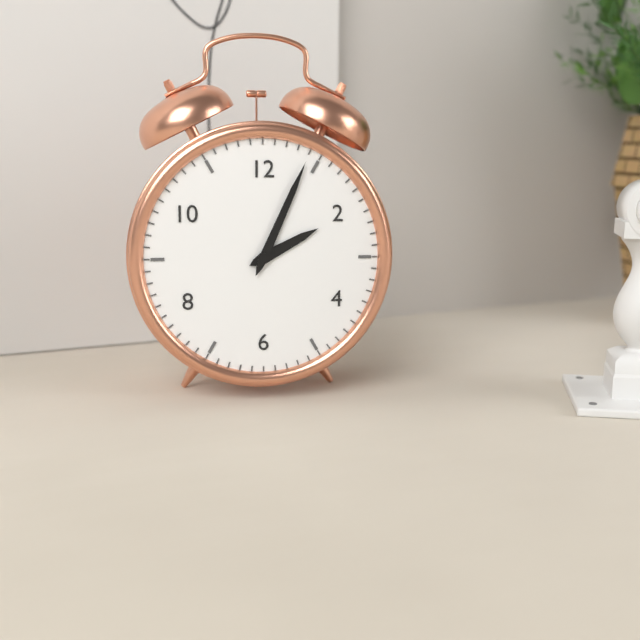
2.04
